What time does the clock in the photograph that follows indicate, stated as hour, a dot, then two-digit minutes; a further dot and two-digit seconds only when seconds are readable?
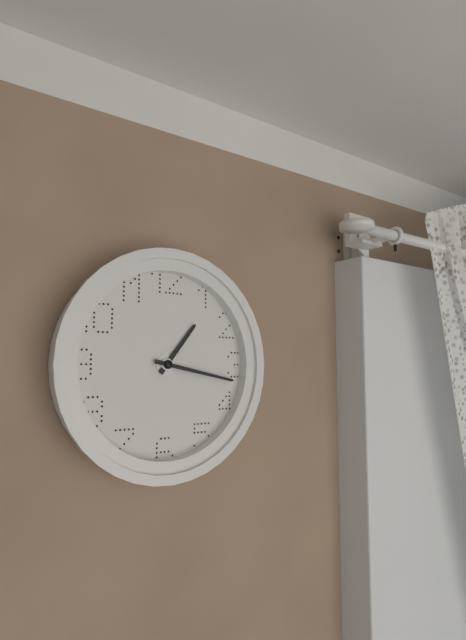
1.17
